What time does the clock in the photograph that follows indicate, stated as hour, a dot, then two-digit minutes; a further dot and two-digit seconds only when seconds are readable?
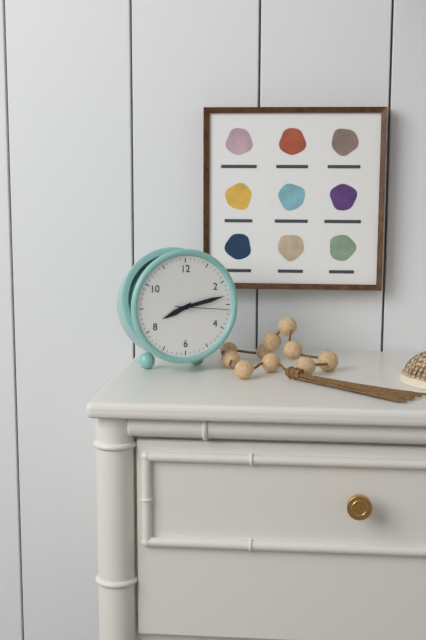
8.13.16
